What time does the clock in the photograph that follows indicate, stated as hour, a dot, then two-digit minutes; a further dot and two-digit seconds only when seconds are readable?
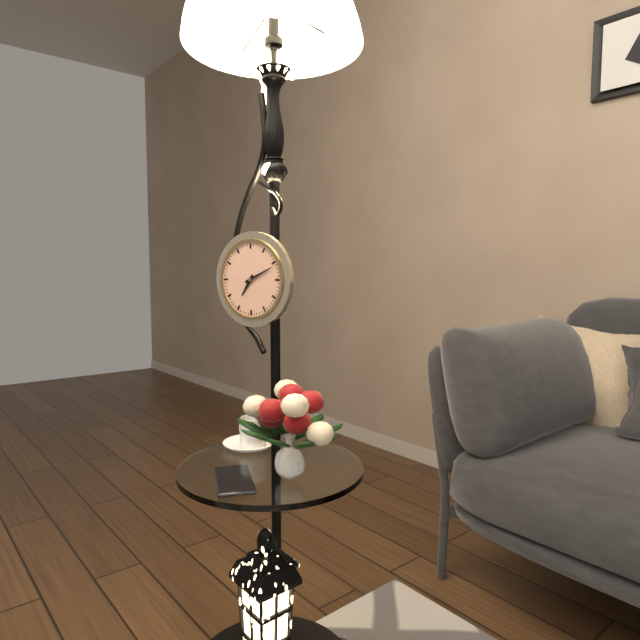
7.11
